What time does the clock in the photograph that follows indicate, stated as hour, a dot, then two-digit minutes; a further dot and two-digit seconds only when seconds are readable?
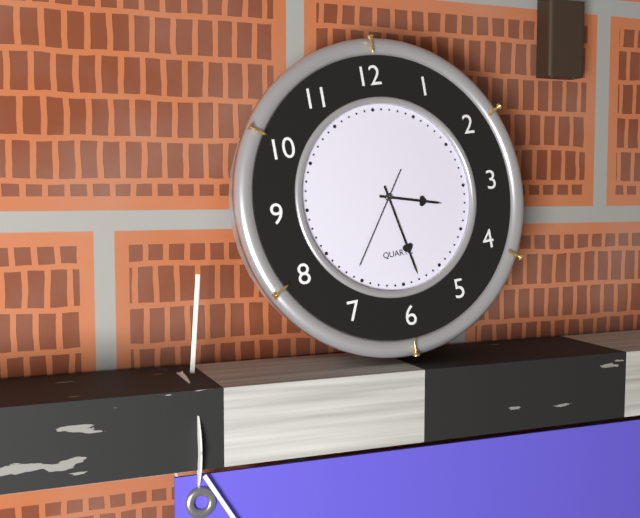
3.28.36
